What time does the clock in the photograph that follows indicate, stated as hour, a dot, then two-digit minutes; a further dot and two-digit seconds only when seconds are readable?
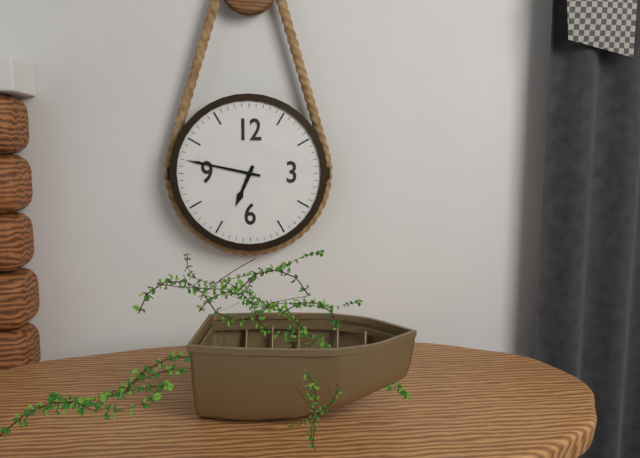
6.47
